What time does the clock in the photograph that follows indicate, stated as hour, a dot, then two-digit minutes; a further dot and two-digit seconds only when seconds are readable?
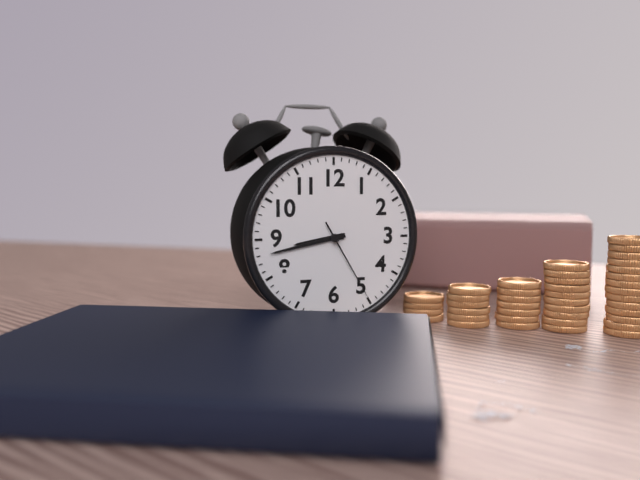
8.43.25
